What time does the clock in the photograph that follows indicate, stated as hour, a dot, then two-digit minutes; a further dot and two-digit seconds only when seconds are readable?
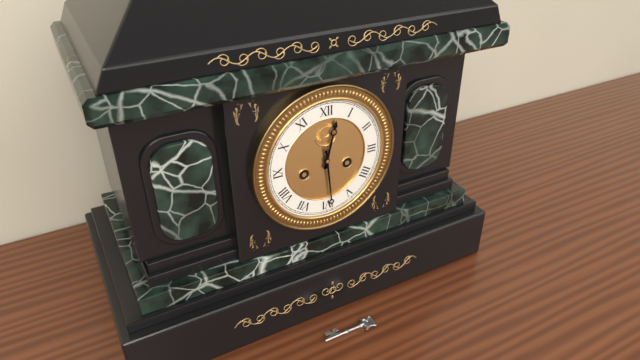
12.29
